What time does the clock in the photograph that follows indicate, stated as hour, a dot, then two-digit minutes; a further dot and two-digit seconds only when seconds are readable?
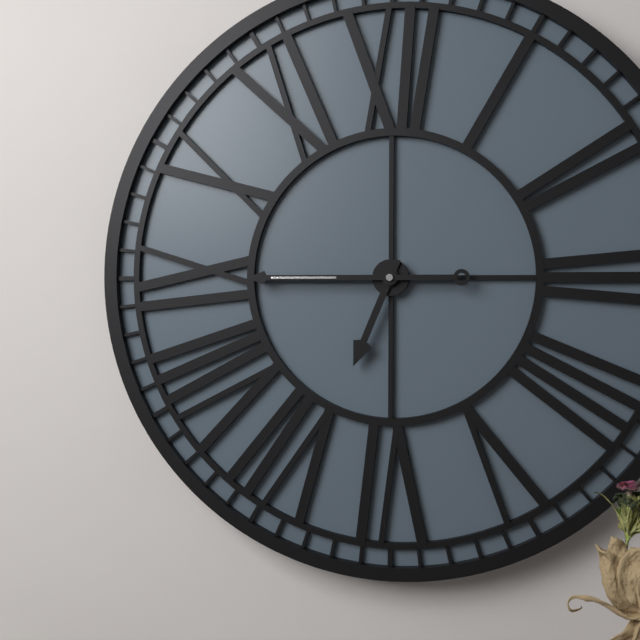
6.45
